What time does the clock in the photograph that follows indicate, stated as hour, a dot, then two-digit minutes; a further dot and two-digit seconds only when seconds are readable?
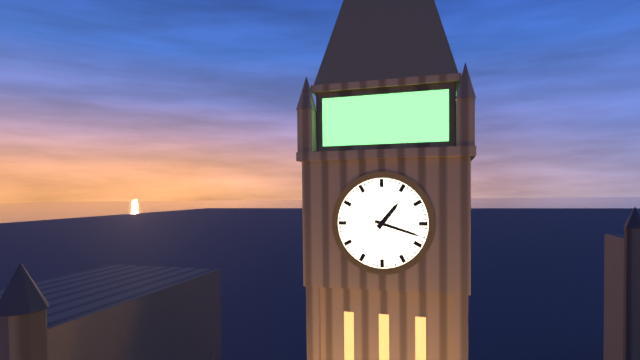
1.18
